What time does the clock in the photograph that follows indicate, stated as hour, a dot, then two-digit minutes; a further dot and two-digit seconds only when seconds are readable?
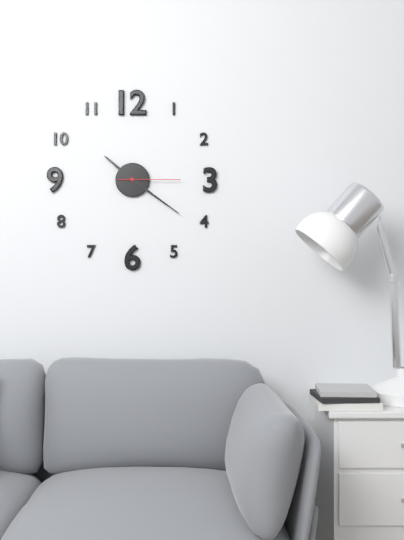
10.21.15
